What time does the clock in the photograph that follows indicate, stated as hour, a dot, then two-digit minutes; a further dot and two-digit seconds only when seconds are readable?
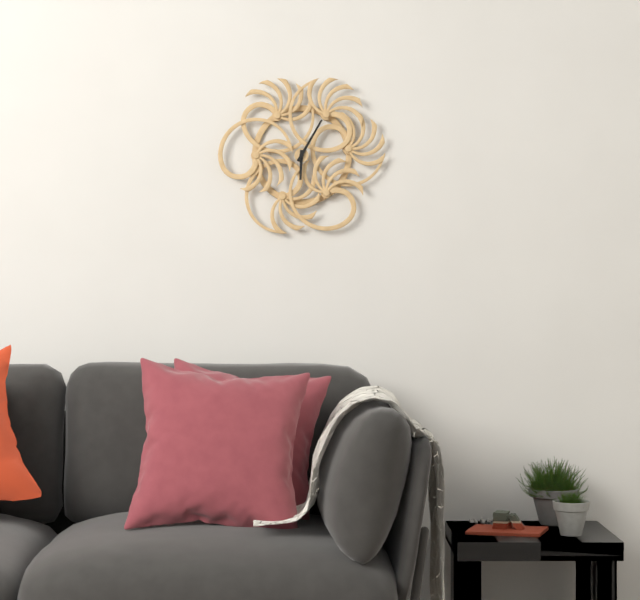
6.05
